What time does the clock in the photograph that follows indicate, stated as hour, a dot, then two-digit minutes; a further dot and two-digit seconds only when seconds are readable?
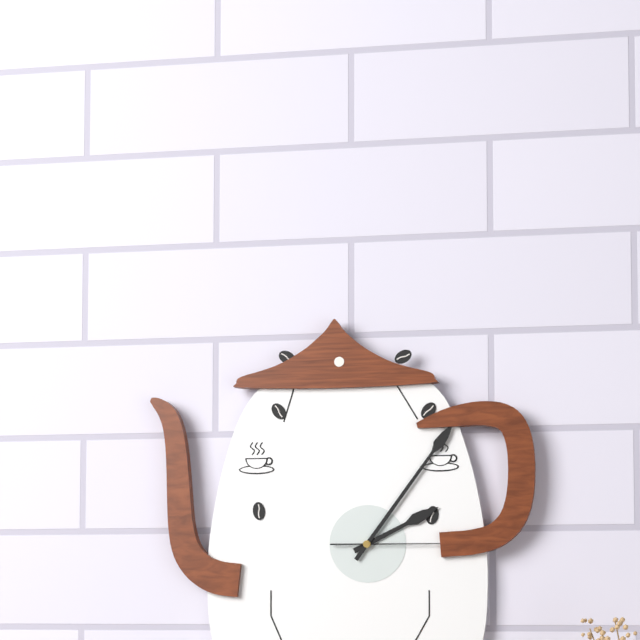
2.06.15
